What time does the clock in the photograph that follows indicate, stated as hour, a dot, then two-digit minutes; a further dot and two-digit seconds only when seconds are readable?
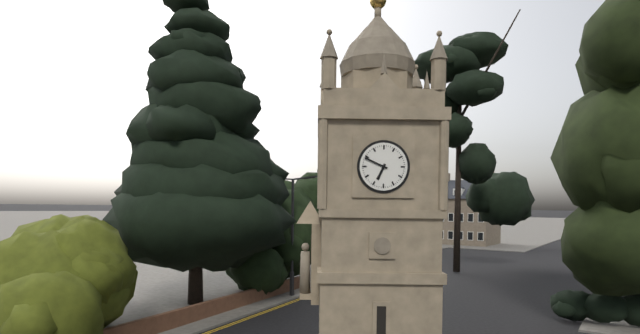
6.49
